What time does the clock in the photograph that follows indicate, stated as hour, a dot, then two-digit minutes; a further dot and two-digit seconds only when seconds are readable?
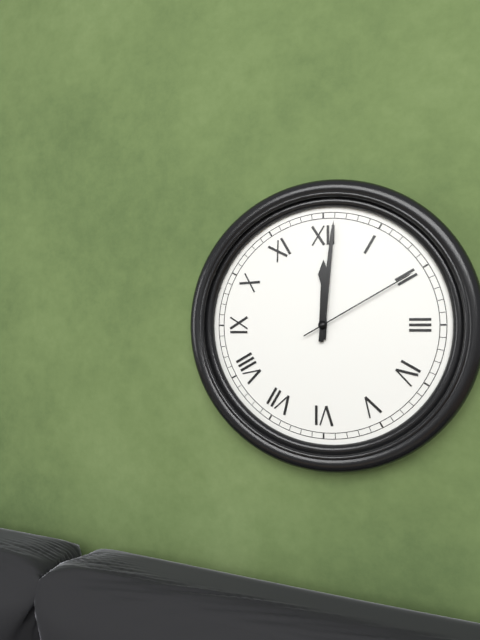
12.01.10
